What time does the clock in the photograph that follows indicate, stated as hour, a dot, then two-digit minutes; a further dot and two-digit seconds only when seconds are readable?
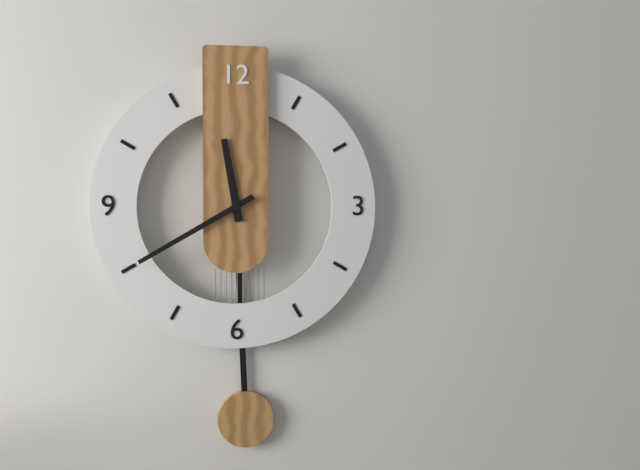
11.40
